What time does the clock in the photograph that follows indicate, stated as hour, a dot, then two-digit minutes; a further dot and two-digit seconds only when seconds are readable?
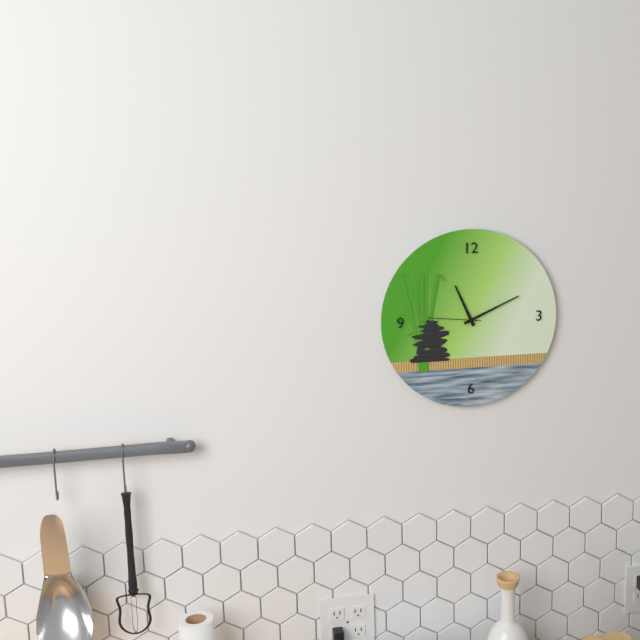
11.11.46
